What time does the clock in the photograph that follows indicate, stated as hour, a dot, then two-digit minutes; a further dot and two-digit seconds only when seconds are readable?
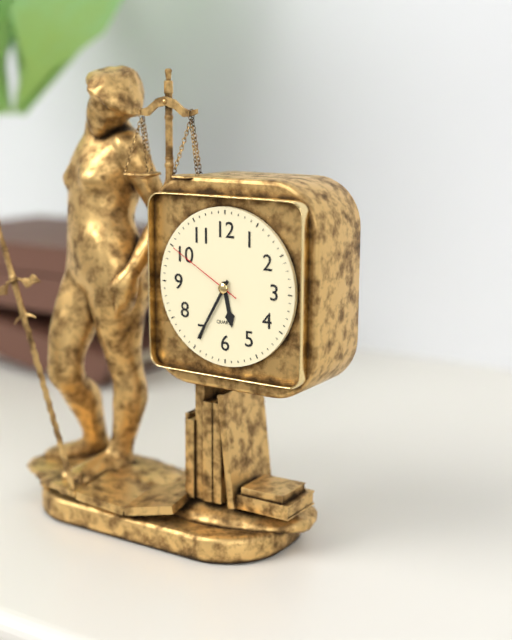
5.35.50
